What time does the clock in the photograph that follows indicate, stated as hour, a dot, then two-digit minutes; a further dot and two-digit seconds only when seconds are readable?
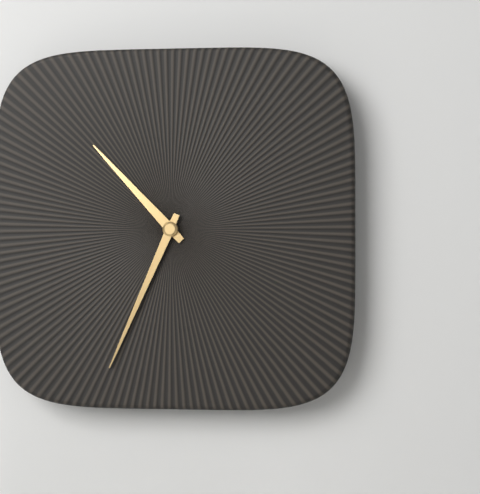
10.34
